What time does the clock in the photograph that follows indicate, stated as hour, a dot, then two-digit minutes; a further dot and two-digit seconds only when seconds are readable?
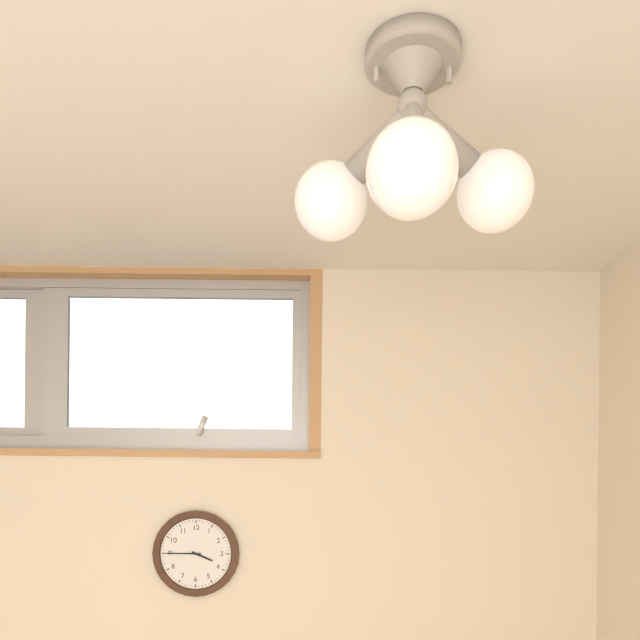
3.45
